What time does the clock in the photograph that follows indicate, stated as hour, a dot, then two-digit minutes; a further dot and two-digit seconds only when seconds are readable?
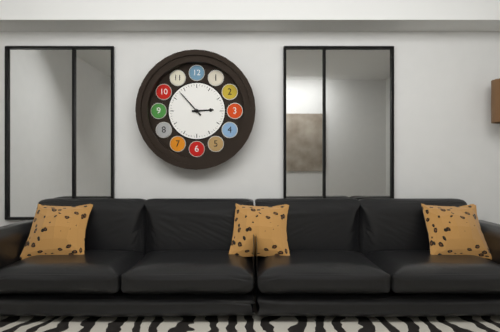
2.53
